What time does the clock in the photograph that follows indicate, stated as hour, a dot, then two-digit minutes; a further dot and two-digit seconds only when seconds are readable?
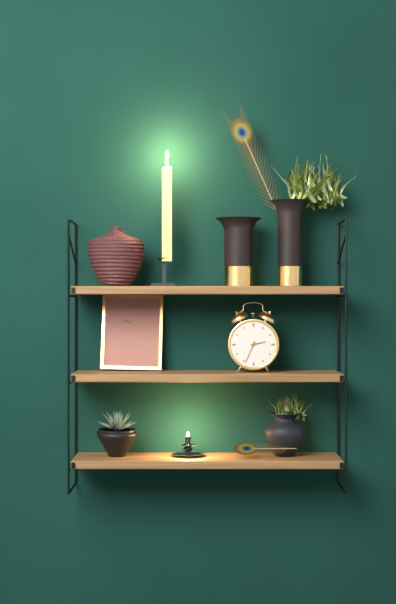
2.34
